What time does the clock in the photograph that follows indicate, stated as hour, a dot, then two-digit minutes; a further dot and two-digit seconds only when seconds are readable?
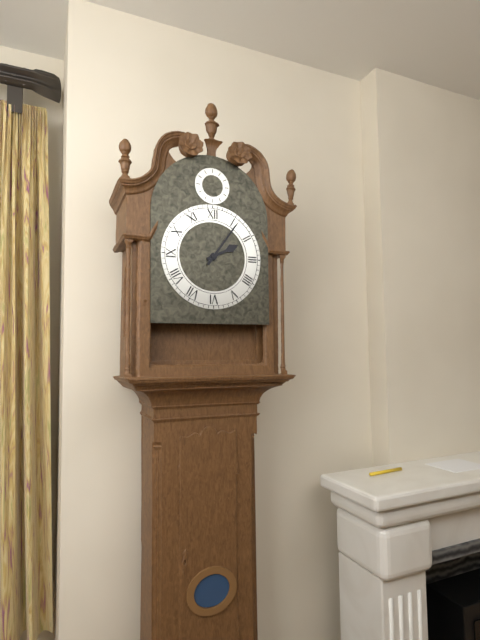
2.06
